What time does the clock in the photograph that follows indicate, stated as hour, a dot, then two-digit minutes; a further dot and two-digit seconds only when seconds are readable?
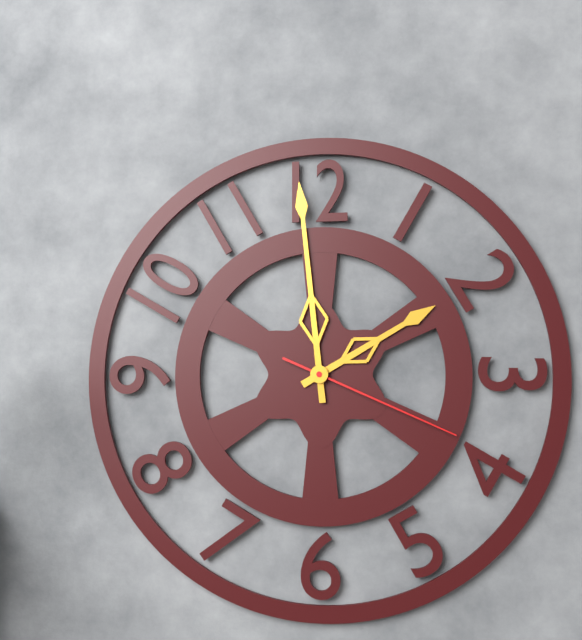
1.59.19
